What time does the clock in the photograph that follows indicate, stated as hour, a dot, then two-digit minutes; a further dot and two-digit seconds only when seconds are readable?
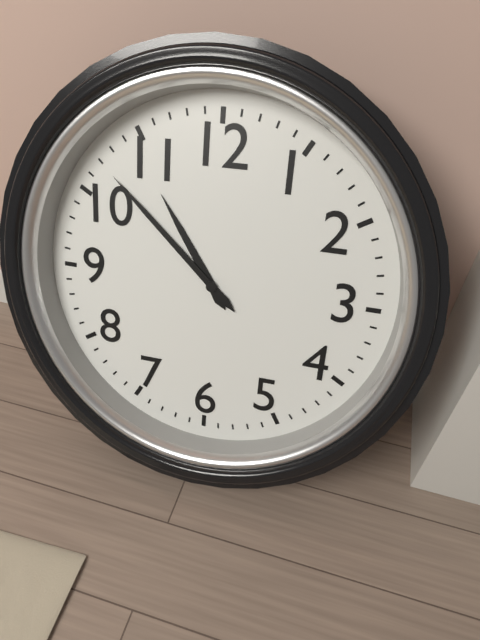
10.52
